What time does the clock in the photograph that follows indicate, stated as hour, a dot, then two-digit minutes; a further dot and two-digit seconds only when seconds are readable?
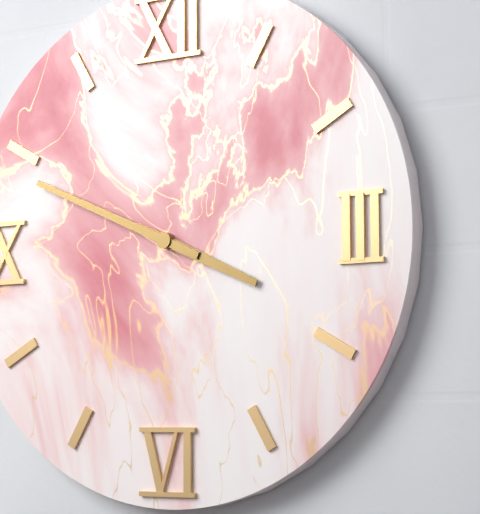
3.49
